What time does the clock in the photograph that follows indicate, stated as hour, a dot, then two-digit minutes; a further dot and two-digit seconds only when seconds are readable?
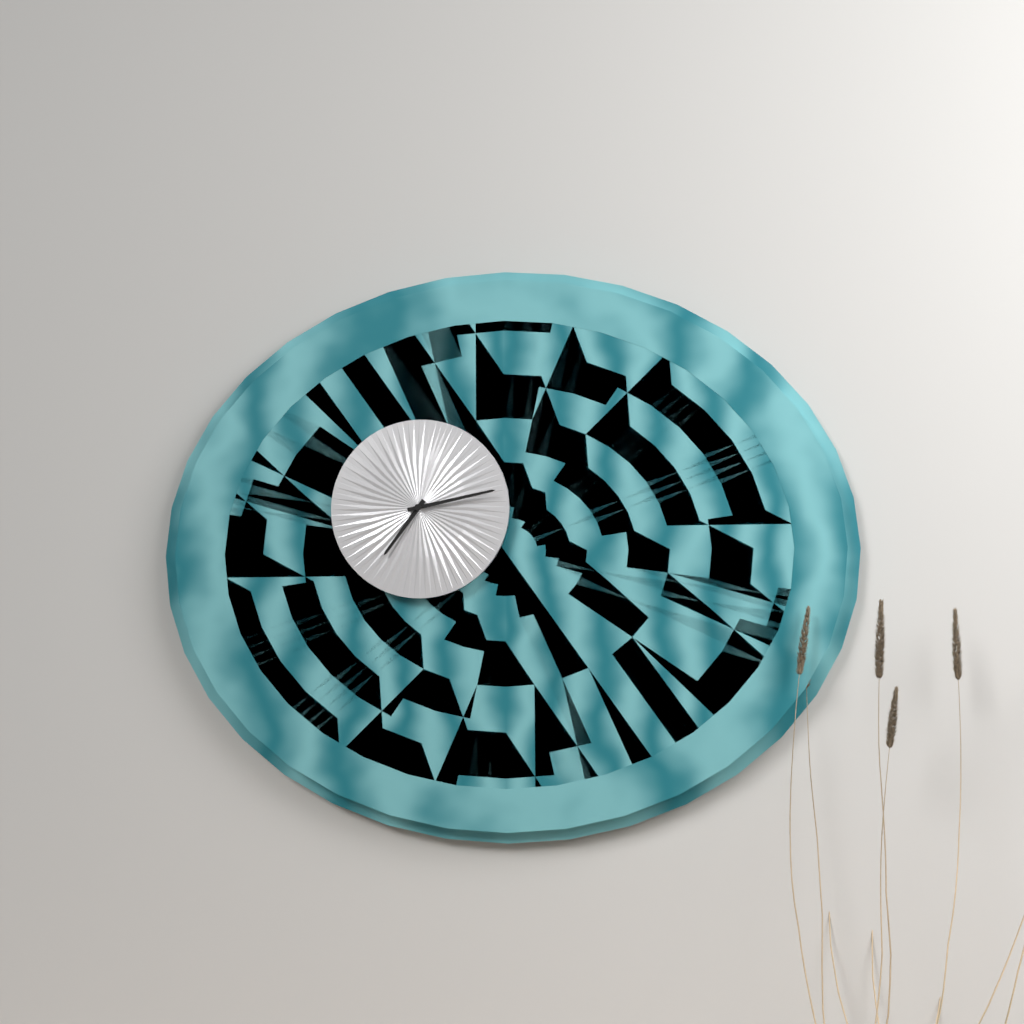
7.13
